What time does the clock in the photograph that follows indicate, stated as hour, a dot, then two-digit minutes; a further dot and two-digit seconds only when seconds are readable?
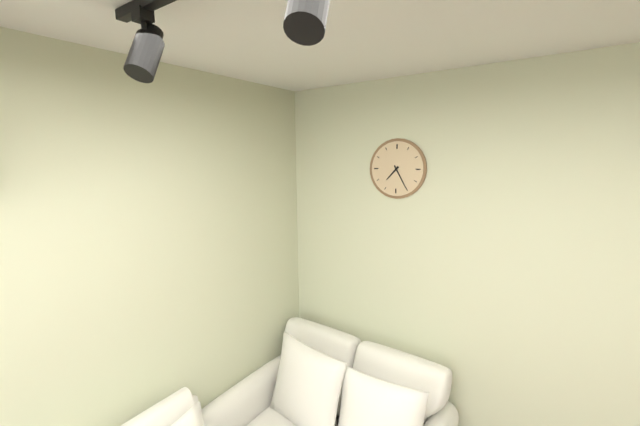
7.25
